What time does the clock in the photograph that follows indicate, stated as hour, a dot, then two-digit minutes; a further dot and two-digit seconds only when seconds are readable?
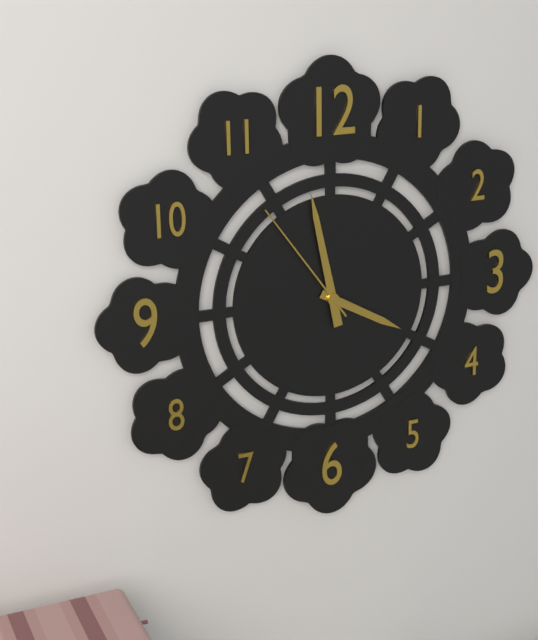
3.58.54
